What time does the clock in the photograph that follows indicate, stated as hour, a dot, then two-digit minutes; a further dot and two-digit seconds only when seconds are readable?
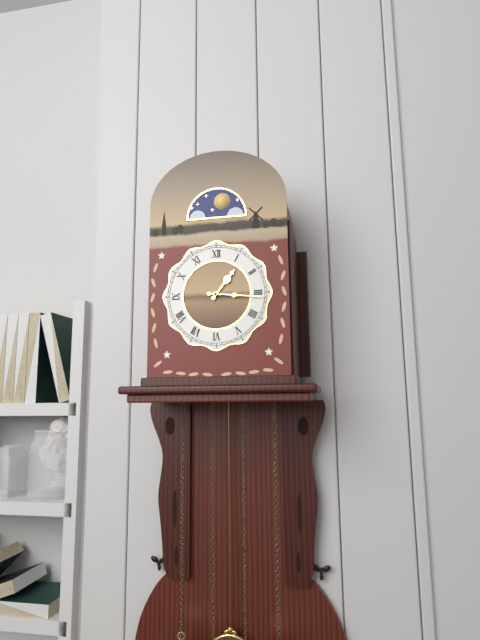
1.16
